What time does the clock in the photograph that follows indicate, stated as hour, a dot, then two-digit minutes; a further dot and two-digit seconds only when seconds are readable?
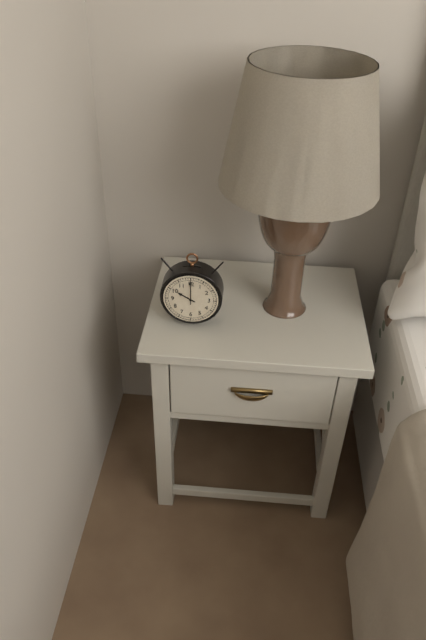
10.00
